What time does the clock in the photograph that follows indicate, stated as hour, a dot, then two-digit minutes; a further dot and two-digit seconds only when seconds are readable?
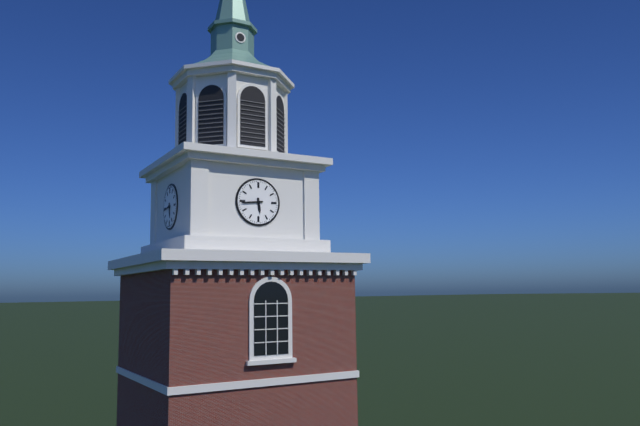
5.44
